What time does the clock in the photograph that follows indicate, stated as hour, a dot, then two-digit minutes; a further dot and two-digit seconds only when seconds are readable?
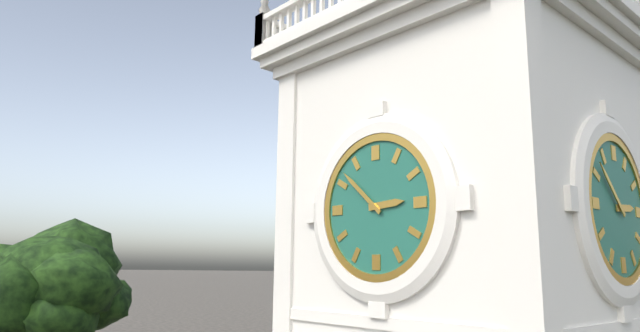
2.52
